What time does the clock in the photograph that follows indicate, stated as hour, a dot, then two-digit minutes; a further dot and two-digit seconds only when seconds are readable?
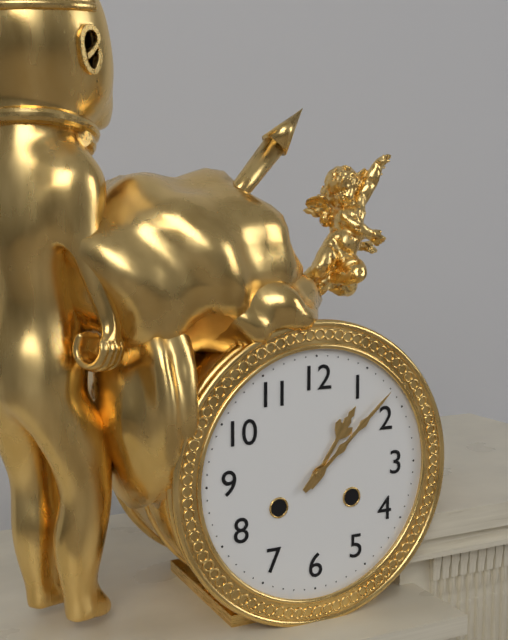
1.08
